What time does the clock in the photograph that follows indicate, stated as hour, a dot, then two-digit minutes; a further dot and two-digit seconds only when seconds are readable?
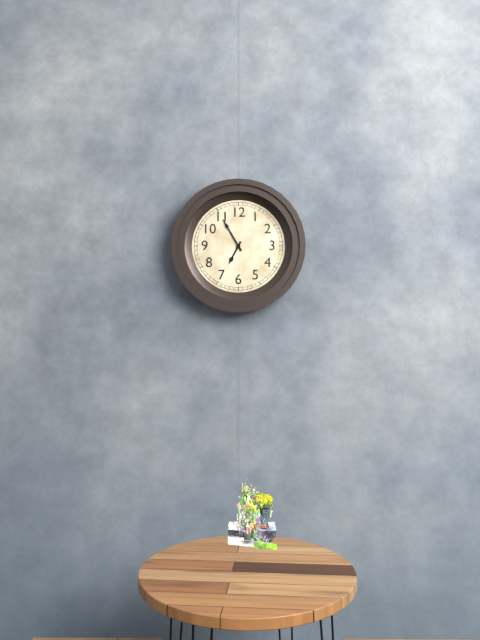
6.55
